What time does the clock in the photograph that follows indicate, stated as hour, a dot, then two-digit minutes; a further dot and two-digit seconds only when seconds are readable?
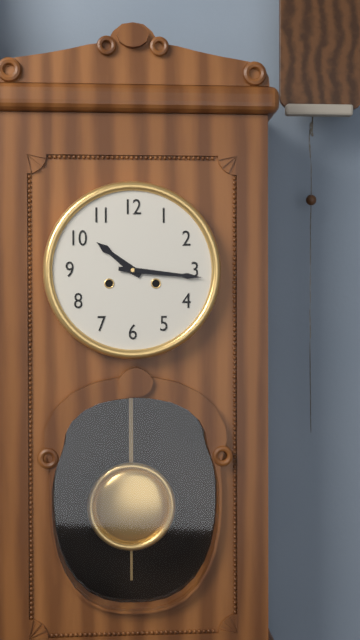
10.16
